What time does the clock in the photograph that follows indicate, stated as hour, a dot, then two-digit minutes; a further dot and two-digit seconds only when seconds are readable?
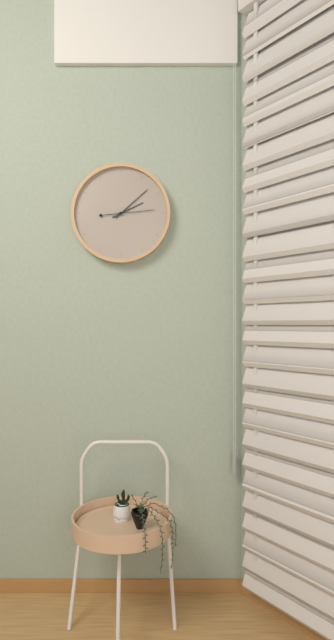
2.08
